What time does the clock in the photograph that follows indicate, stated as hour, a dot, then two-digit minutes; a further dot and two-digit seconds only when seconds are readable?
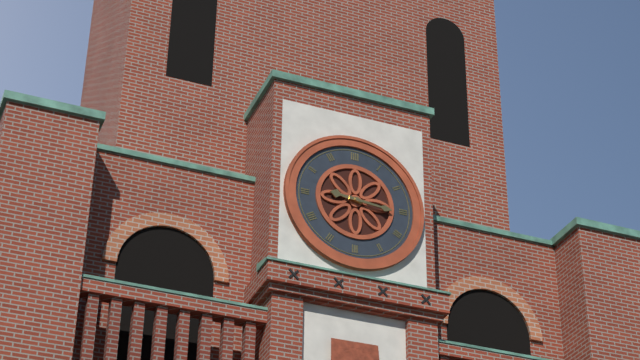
9.16
